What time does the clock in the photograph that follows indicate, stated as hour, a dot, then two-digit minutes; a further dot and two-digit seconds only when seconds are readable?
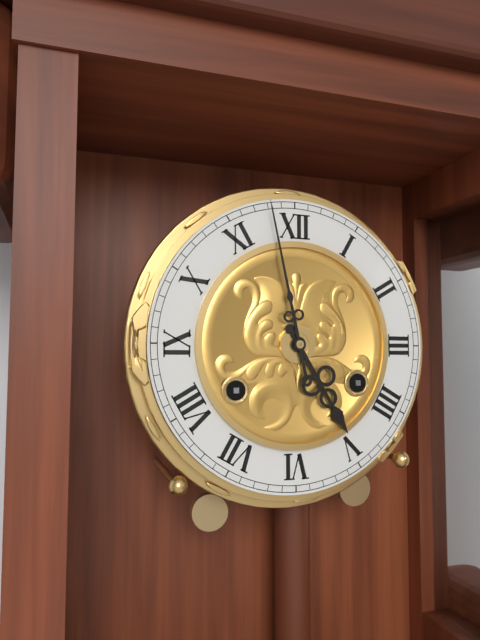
4.58
